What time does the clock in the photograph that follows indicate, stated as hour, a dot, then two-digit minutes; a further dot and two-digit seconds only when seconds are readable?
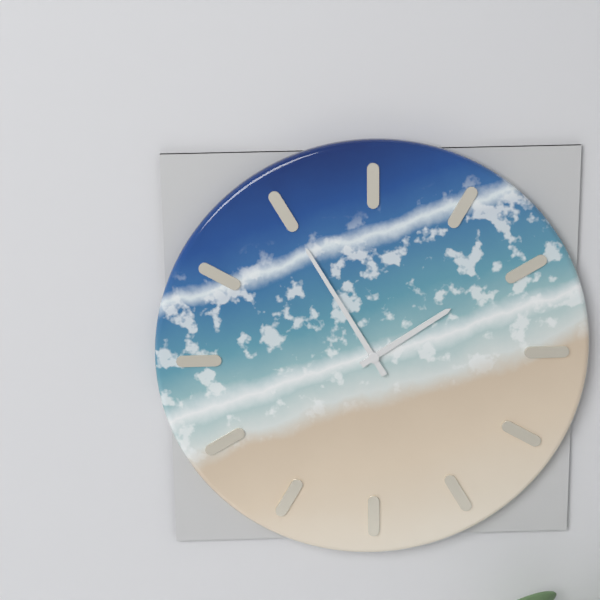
1.55
